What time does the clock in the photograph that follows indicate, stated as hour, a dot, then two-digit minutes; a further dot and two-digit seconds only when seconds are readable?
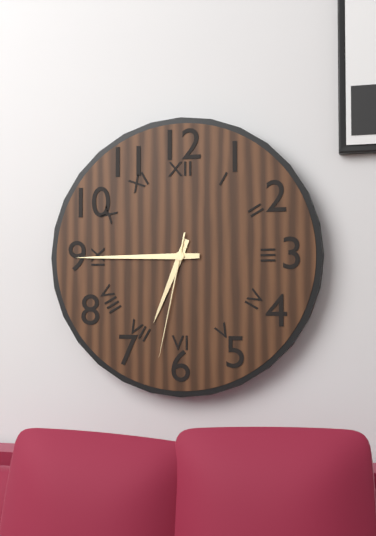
6.45.32
